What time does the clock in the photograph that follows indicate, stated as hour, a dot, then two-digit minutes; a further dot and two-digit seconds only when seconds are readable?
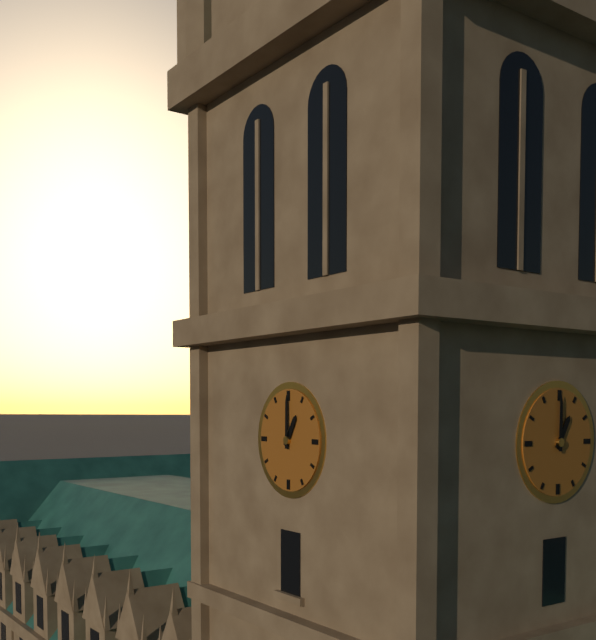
1.00
